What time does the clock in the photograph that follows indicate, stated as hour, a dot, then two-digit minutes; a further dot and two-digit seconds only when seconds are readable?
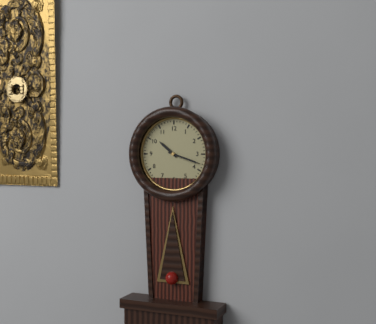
10.18
